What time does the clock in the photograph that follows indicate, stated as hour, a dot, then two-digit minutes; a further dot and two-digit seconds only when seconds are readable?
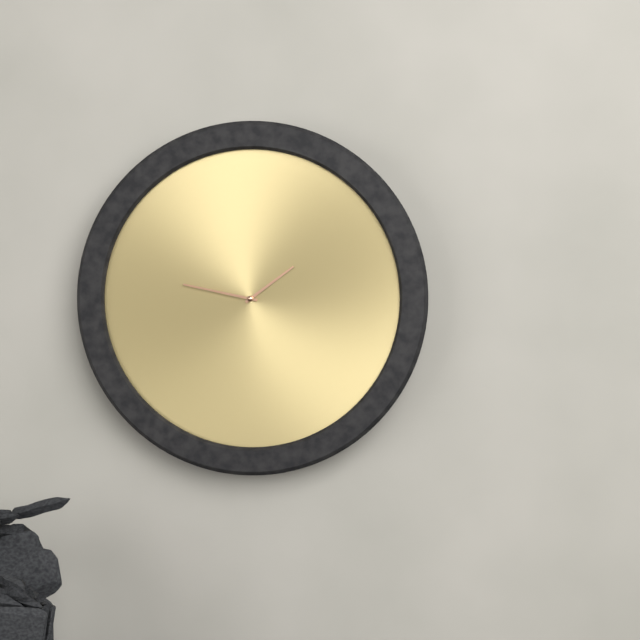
1.47
